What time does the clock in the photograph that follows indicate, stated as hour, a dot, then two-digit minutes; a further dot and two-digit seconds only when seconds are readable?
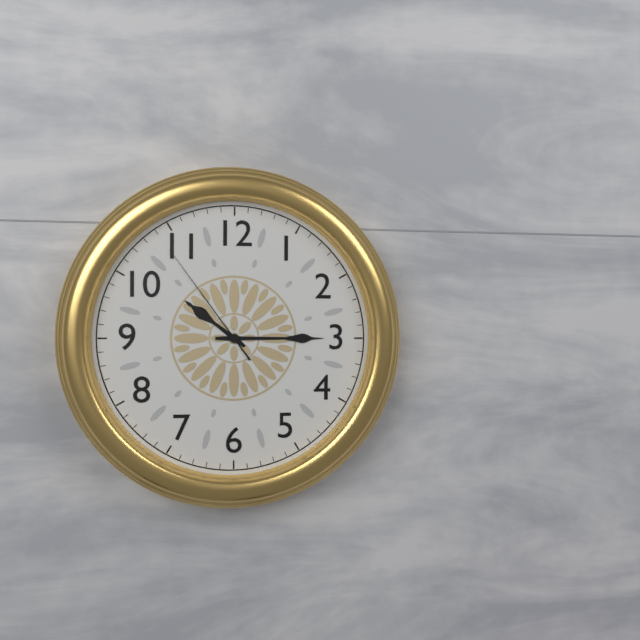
10.15.54
